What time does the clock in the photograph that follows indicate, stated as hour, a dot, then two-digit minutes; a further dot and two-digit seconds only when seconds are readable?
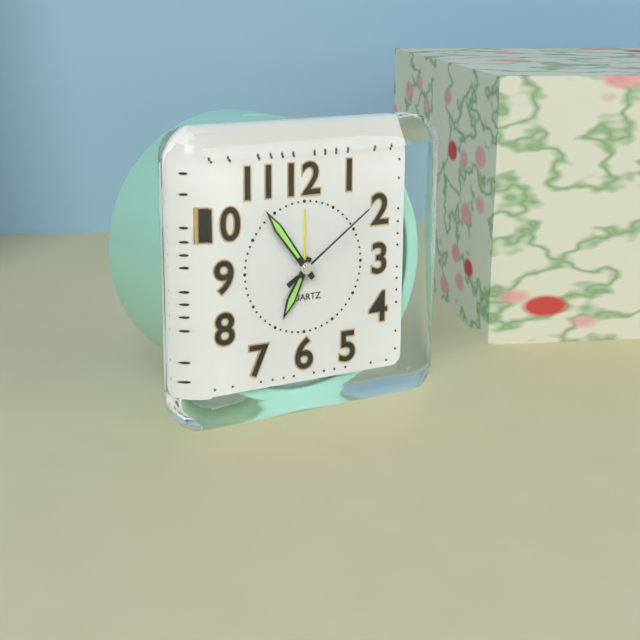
6.54.09
